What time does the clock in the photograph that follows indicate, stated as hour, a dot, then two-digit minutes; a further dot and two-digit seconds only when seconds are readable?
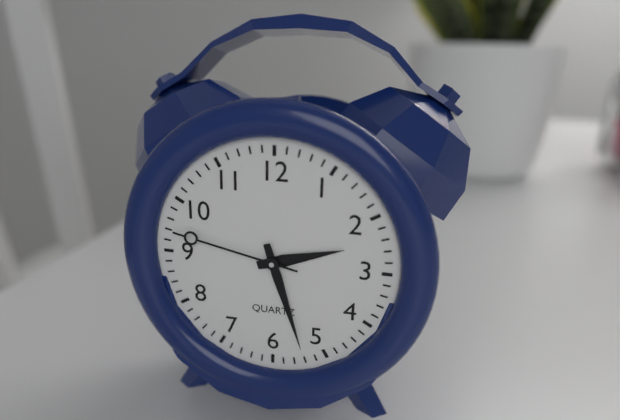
2.27.47
